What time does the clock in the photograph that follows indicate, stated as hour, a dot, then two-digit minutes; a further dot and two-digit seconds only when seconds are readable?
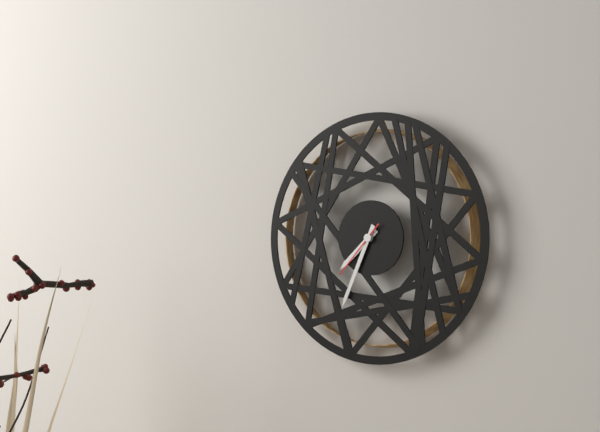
7.34.37
